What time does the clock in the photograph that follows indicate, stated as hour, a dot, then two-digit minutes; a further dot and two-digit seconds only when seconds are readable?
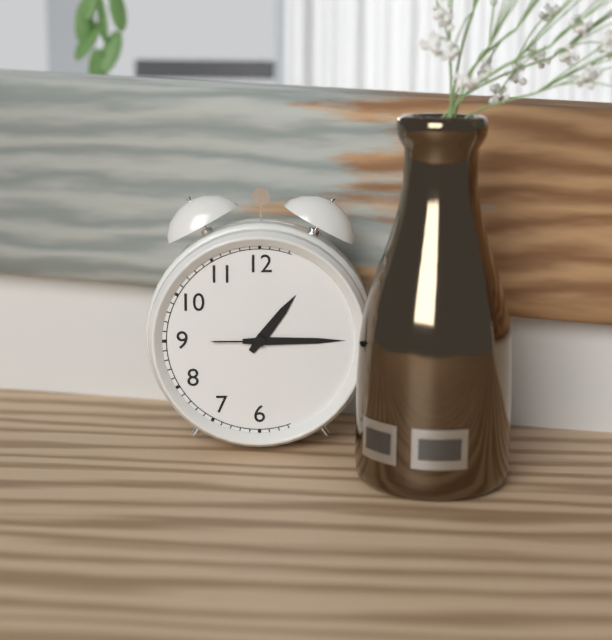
1.15
